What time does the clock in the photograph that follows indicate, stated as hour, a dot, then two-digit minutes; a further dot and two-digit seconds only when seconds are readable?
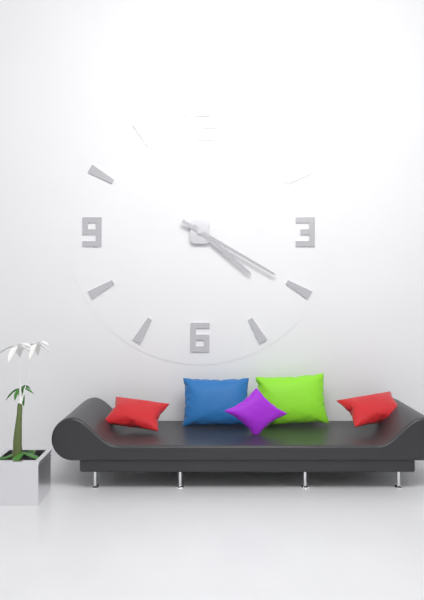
4.20
